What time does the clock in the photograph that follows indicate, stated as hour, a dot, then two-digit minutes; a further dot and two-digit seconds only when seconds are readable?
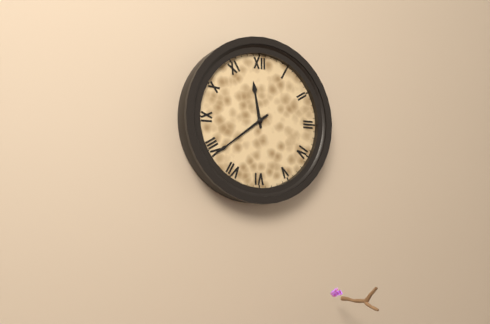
11.39
